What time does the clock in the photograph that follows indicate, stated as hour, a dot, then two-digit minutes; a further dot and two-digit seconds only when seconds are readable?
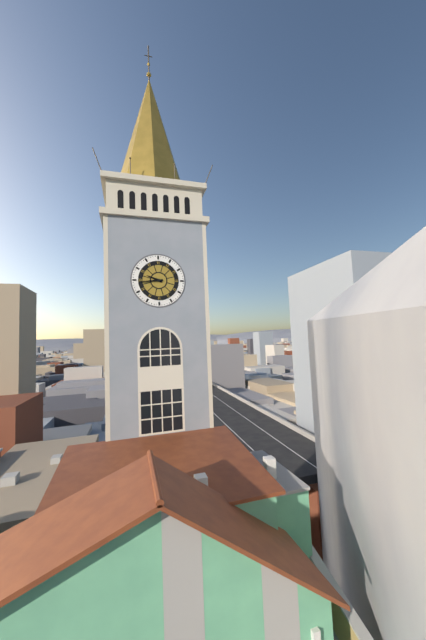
9.44
